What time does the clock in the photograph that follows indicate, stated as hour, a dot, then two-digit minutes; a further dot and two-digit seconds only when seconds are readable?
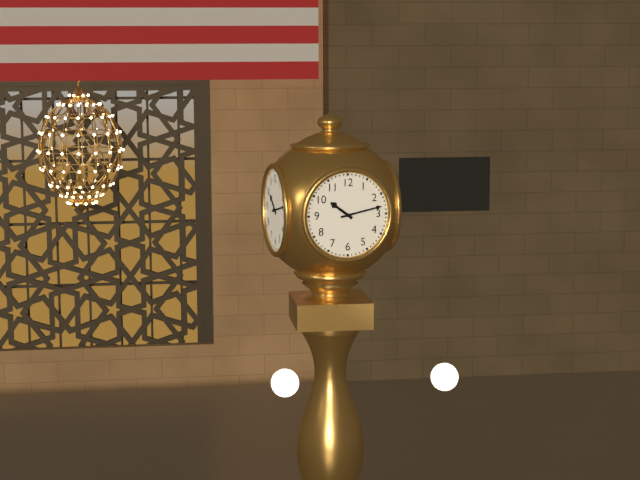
10.13
